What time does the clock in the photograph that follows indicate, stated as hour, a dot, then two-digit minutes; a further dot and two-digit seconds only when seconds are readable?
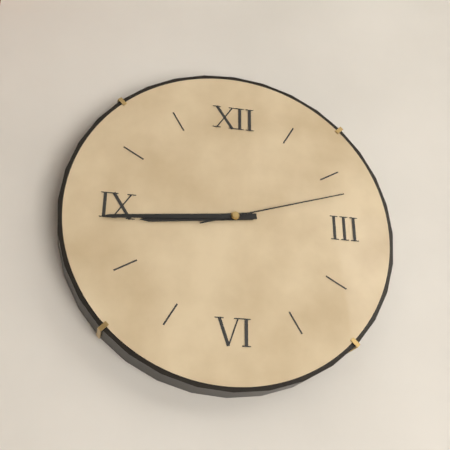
8.44.12
